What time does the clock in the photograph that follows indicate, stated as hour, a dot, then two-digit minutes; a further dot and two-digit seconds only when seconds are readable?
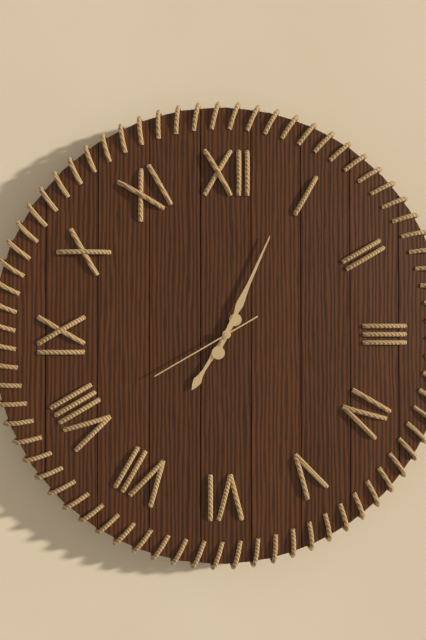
7.04.40
